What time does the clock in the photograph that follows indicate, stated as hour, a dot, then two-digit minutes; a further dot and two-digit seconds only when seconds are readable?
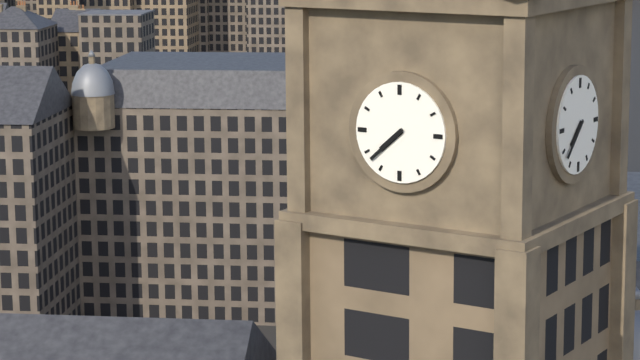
7.38
